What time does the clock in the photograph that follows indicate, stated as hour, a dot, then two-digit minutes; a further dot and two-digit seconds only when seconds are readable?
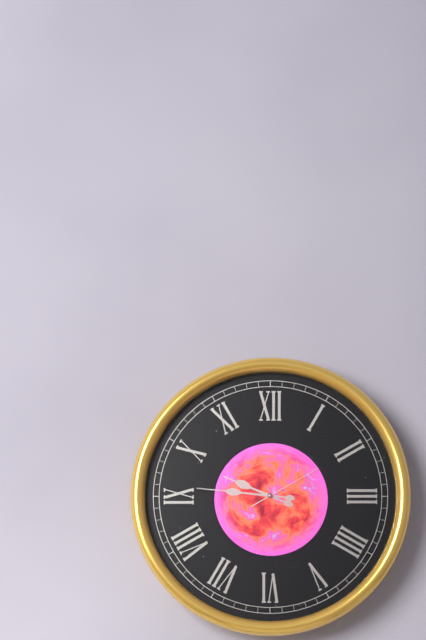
9.46.10
